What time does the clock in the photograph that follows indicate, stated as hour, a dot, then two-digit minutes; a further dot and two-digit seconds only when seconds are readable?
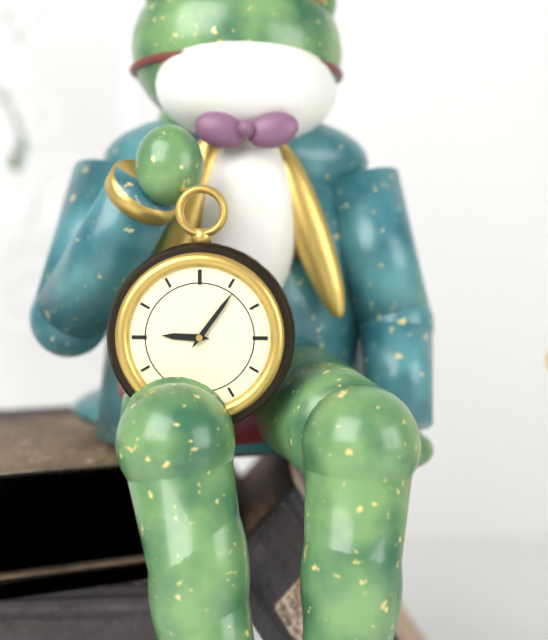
9.06
